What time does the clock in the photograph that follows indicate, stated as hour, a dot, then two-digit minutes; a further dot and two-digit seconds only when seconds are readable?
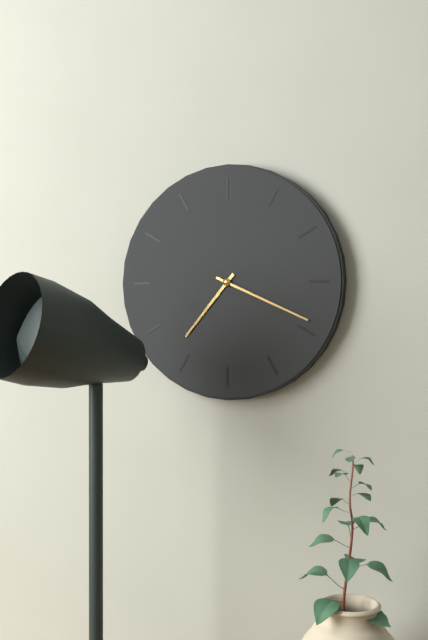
7.19
